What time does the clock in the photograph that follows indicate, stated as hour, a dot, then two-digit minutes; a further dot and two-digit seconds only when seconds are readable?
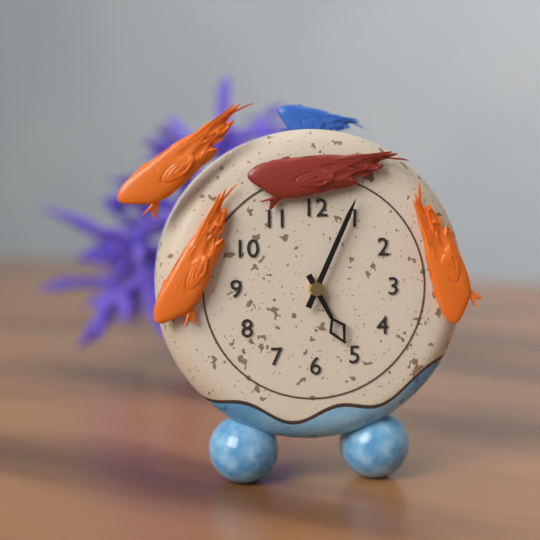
5.04
